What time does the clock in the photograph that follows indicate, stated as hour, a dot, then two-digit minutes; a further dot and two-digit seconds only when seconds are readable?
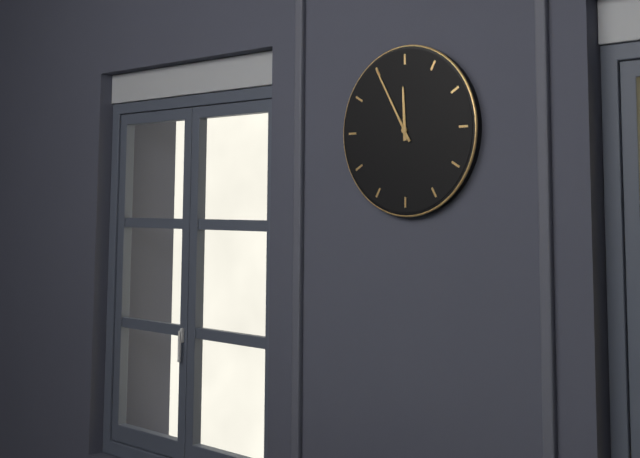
11.55
